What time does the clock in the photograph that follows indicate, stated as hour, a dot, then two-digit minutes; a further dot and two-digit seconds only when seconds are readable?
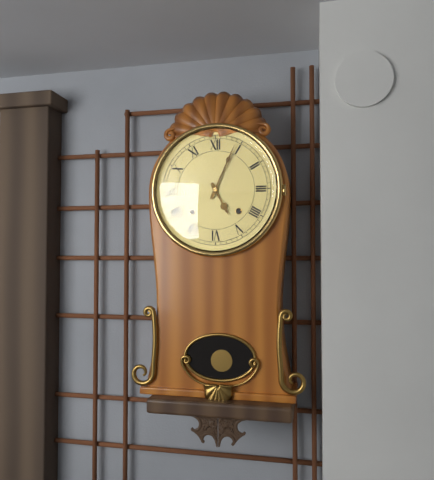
5.04
